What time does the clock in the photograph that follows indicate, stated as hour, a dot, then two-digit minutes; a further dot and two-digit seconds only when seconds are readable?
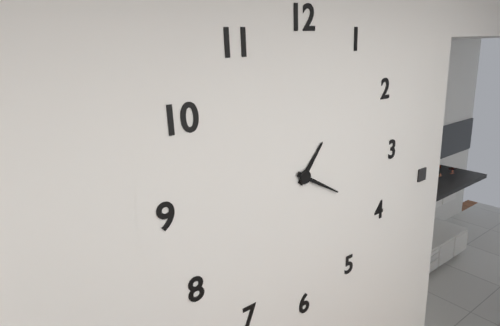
1.20
